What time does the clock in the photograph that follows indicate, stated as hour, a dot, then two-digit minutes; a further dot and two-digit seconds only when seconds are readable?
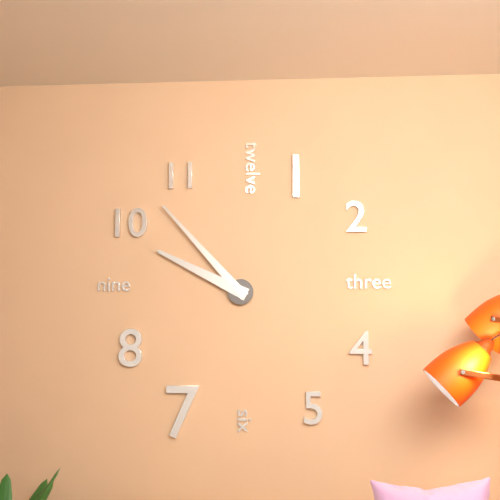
9.53
